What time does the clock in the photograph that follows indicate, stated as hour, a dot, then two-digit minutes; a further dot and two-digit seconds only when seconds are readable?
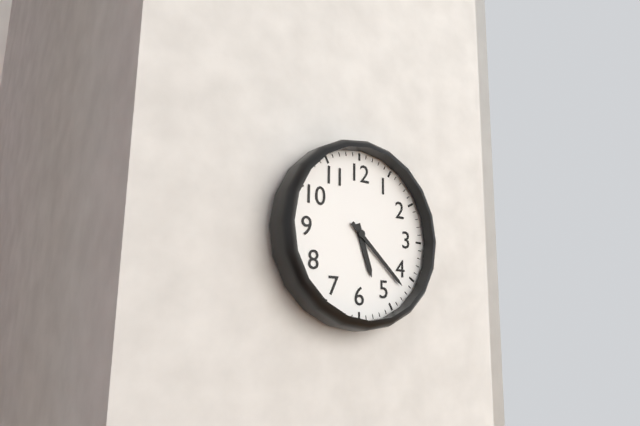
5.22
